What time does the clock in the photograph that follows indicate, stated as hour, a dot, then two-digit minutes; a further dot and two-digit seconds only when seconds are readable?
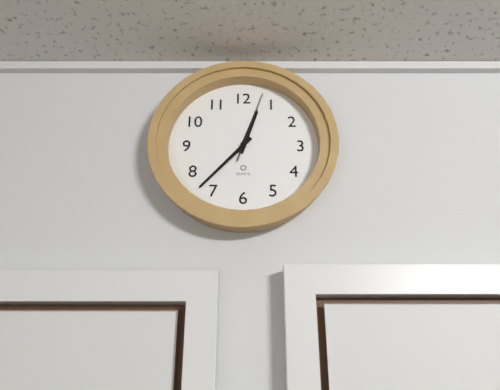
12.37.03
